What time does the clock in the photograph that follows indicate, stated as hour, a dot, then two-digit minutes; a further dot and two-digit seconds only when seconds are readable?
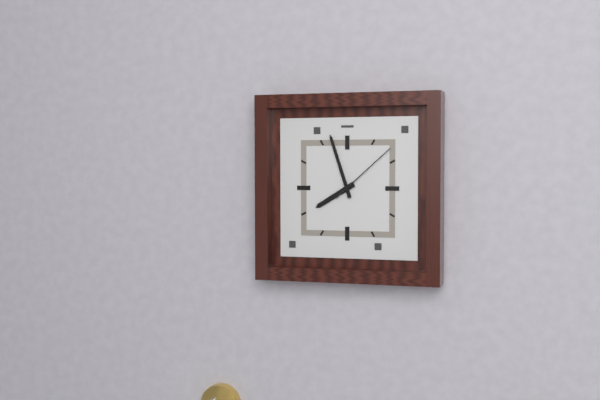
7.57.08
